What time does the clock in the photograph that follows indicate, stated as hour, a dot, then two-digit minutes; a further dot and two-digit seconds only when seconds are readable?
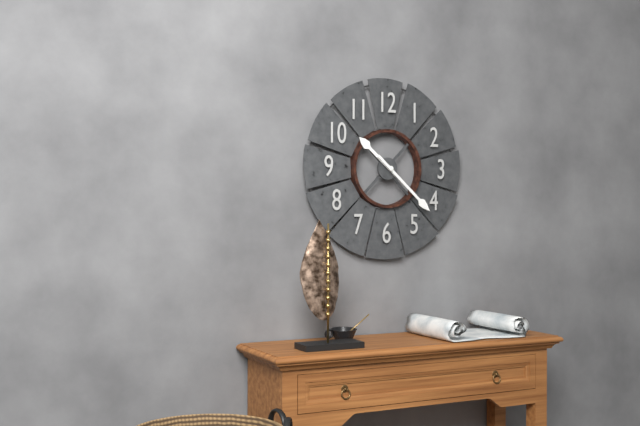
10.22
